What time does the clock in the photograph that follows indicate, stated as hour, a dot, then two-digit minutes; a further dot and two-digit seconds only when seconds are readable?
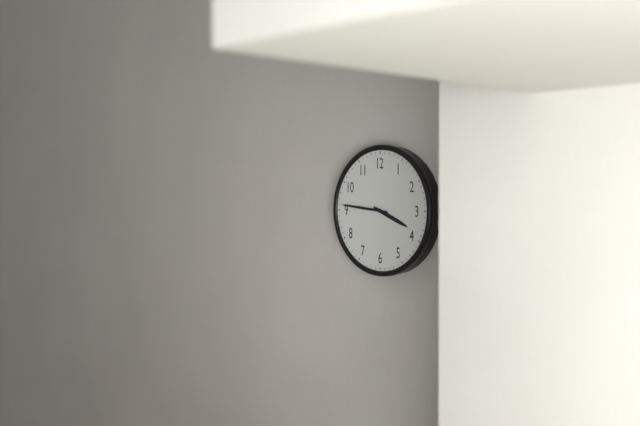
3.46
